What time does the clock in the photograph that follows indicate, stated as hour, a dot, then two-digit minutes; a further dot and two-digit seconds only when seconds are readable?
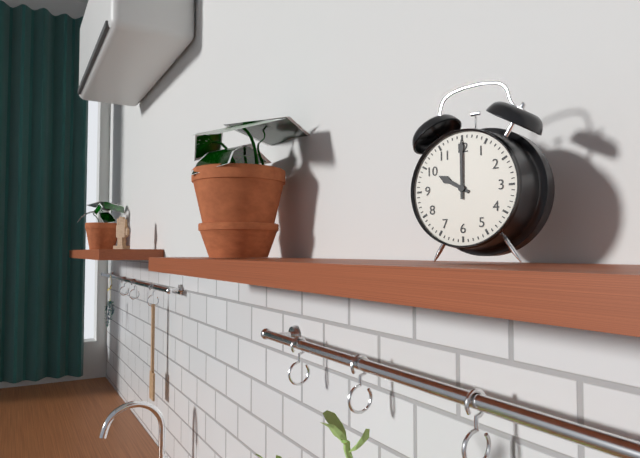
10.00
